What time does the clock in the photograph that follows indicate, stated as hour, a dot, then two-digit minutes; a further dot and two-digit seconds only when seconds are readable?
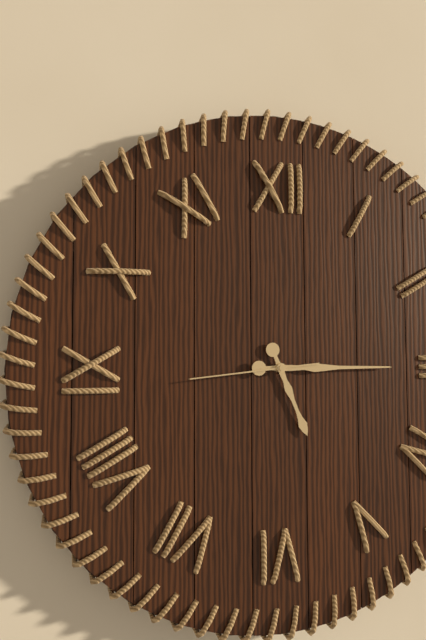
5.15.44
